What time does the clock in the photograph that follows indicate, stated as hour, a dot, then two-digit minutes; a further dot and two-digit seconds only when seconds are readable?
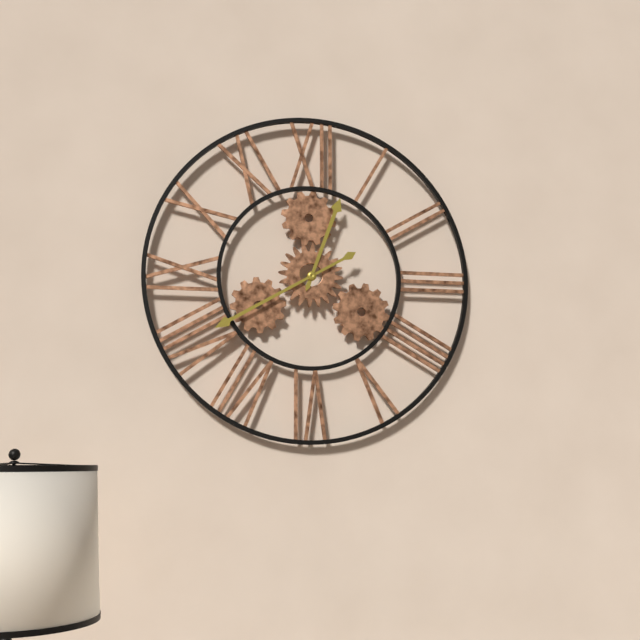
12.40
